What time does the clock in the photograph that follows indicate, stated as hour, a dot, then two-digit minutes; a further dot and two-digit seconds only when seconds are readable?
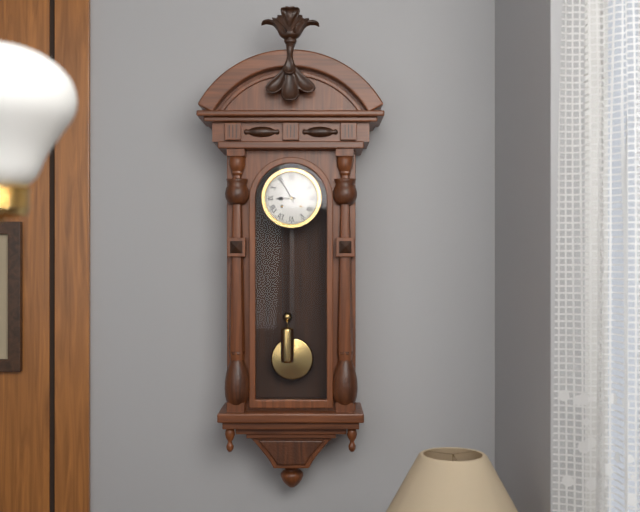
8.55
